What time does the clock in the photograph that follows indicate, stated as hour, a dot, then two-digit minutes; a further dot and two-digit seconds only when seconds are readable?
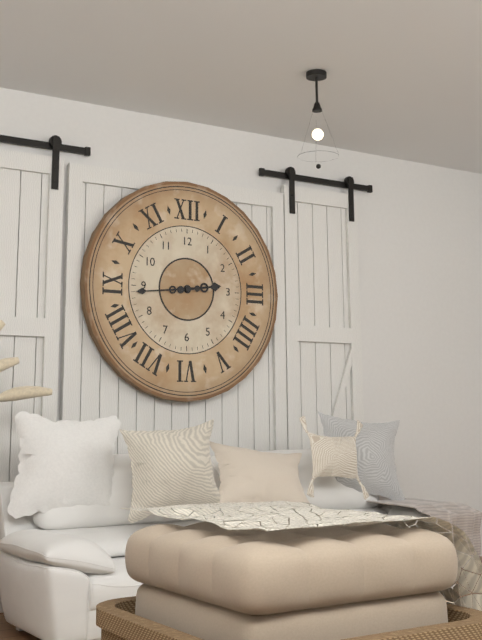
2.44
